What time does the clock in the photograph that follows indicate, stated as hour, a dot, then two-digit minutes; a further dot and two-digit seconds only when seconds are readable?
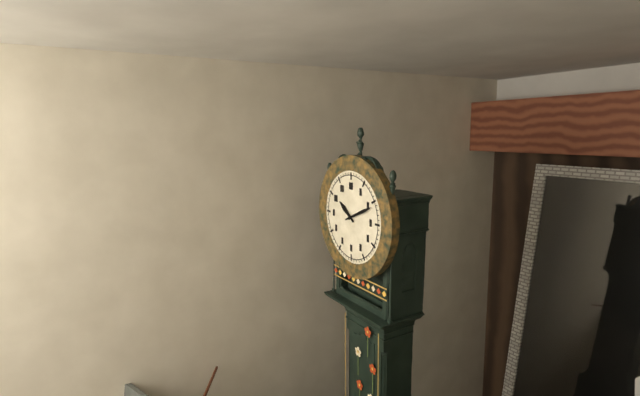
10.11
